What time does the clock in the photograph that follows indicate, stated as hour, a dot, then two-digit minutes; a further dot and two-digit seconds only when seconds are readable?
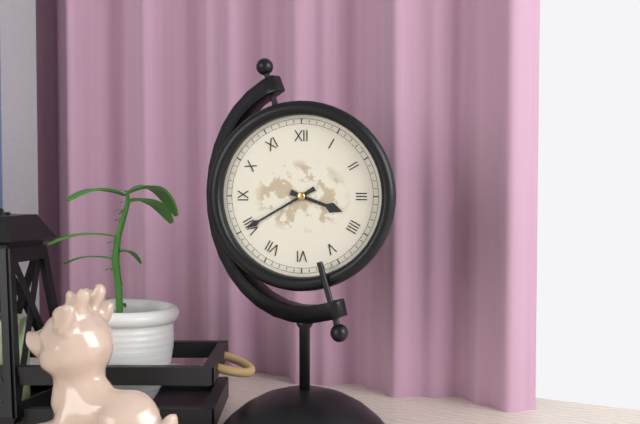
3.40
